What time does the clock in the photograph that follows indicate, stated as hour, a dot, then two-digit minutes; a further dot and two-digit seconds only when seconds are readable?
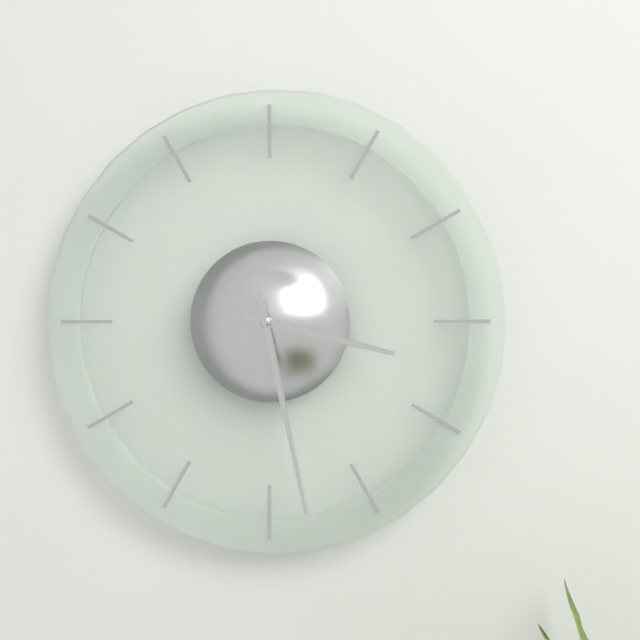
3.28
